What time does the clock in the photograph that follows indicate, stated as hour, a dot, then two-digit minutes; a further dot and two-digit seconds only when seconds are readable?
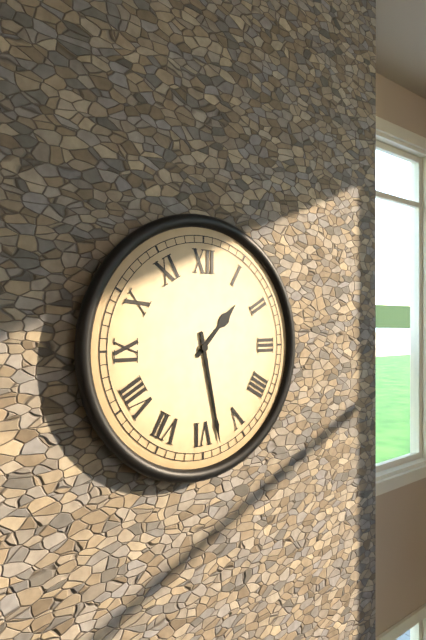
1.28
